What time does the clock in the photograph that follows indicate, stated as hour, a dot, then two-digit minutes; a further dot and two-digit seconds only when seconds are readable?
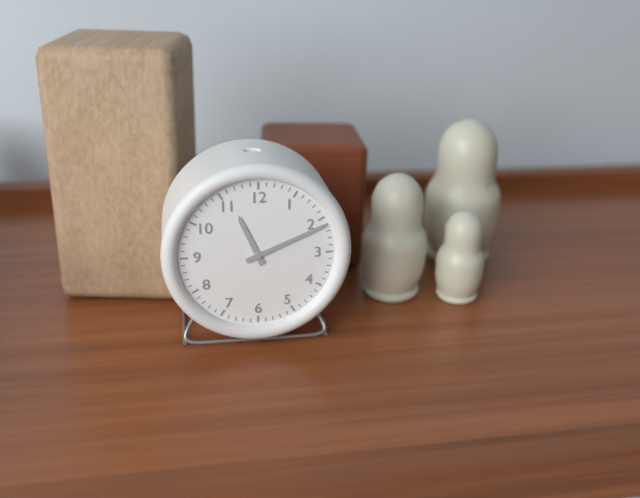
11.11
